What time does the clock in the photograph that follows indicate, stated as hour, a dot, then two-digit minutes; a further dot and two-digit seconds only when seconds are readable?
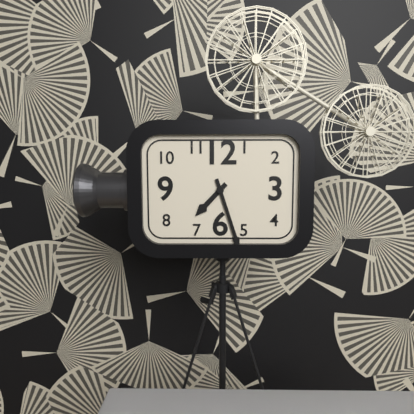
7.27
